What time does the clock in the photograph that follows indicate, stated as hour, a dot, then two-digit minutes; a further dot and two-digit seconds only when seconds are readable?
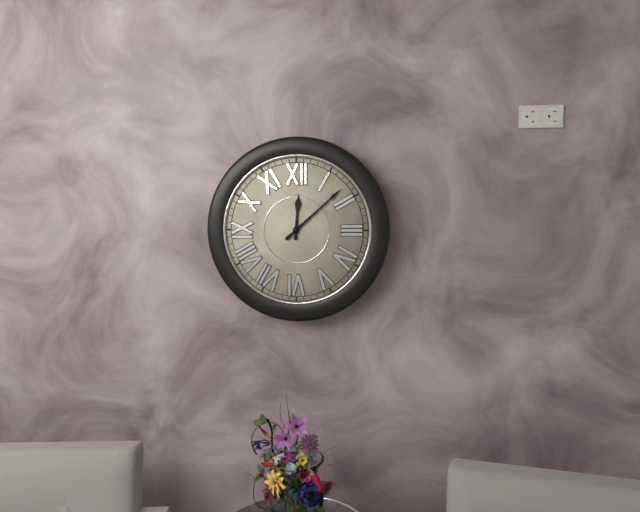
12.08
